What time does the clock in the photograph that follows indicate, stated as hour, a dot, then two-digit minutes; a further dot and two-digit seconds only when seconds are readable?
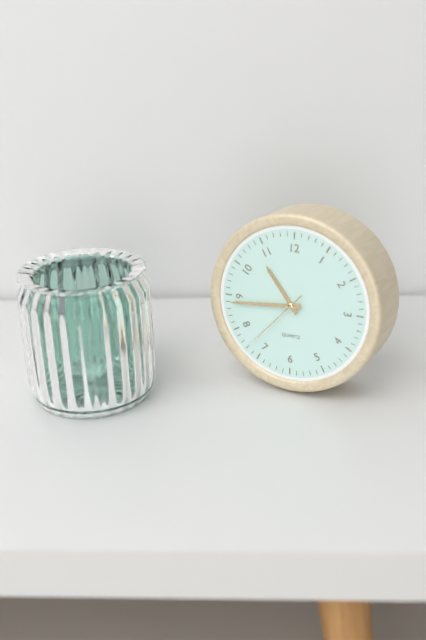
10.44.37
